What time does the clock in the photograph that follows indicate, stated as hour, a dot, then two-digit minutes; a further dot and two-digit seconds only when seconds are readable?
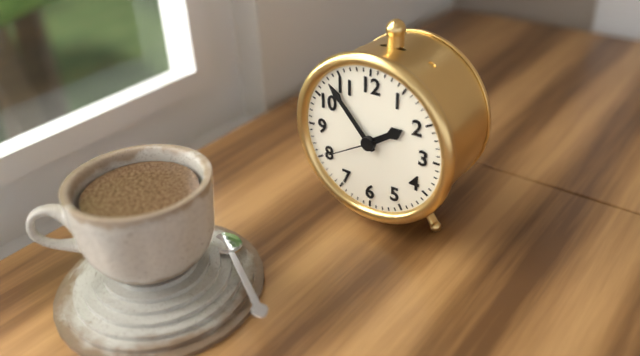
1.53
